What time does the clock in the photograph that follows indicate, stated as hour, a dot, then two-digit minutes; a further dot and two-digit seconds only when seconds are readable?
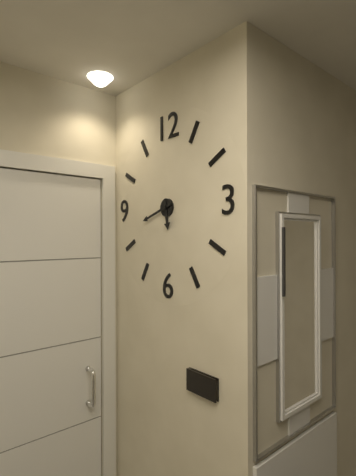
5.42
